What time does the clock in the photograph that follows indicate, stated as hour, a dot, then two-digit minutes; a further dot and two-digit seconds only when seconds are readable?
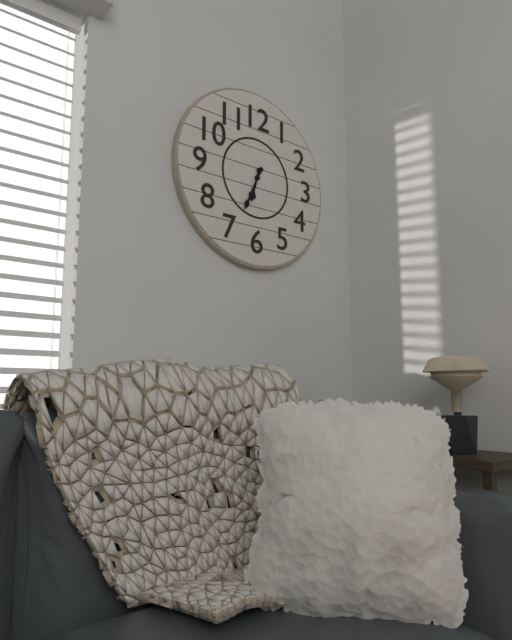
6.34
